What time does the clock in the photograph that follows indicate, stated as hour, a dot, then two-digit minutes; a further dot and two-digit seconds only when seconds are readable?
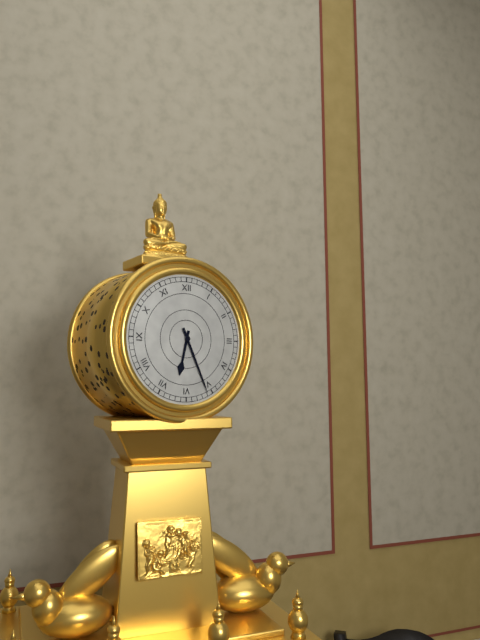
6.26
